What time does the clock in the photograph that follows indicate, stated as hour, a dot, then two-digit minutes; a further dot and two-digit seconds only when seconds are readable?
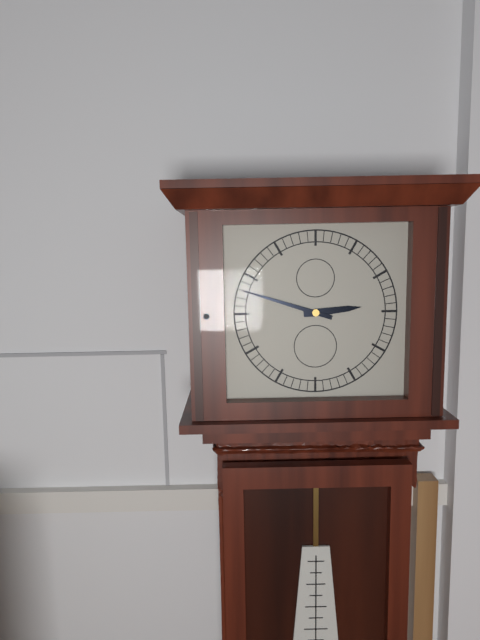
2.48
